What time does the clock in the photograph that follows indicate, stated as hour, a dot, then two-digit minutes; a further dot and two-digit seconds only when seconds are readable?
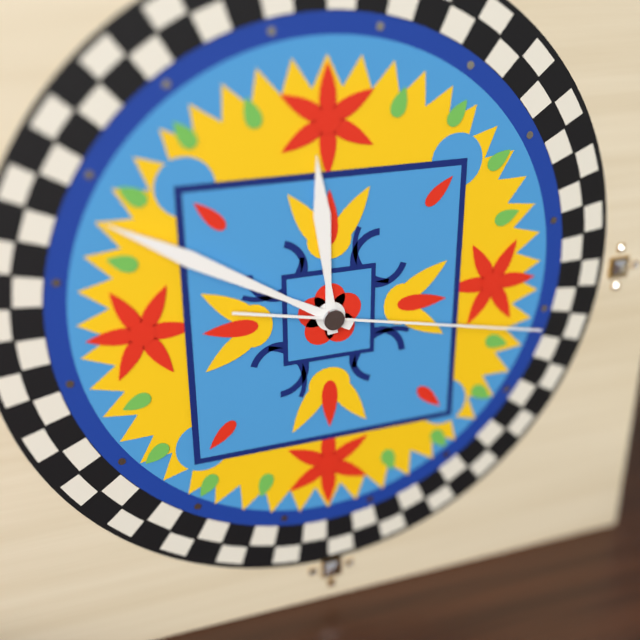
11.50.17
